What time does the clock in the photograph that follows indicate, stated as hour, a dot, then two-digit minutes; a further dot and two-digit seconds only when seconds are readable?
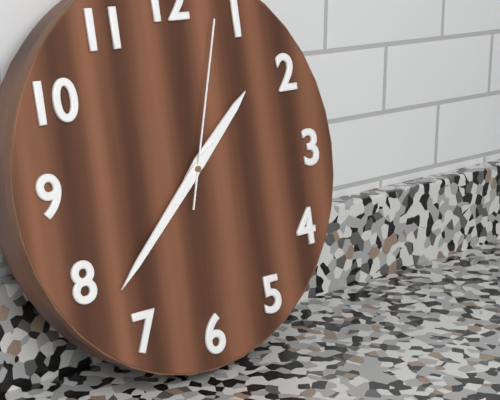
1.38.03
